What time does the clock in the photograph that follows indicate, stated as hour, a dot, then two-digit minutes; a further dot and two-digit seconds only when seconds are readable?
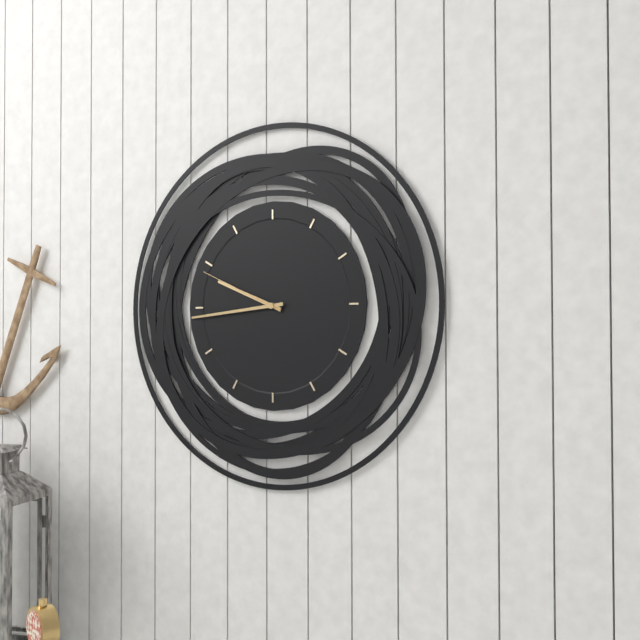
9.44.49
